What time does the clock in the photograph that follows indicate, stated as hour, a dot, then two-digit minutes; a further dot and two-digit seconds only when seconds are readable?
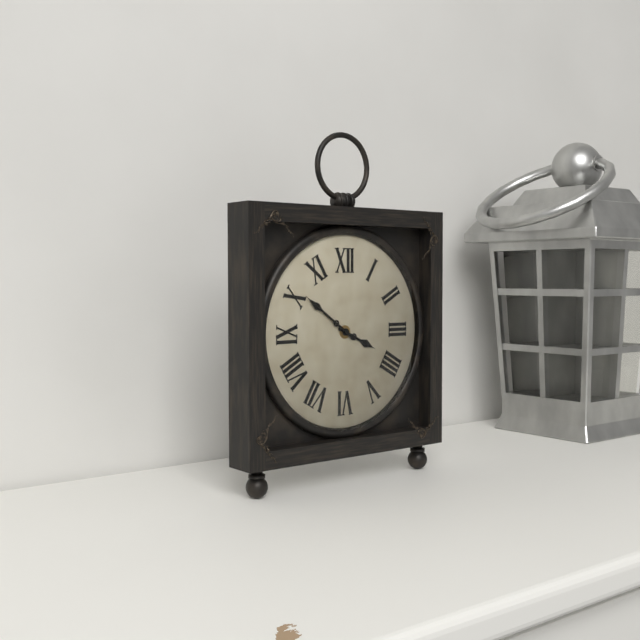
3.51
